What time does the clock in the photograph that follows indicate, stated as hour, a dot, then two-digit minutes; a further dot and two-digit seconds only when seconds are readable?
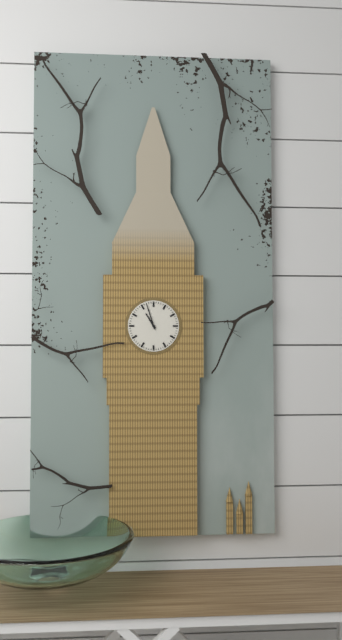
10.57
